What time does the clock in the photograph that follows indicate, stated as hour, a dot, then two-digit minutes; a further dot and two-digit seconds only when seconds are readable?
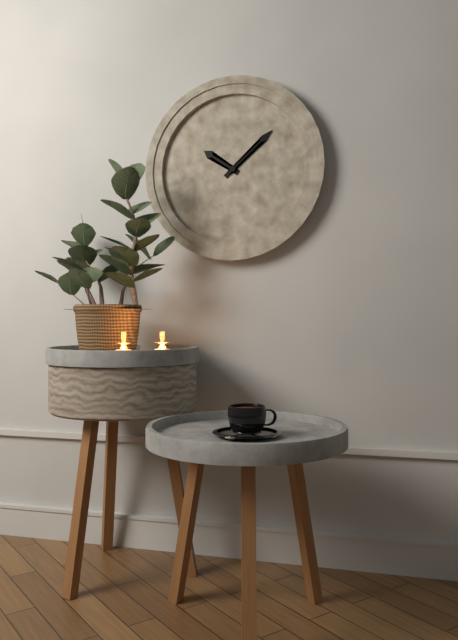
10.08
